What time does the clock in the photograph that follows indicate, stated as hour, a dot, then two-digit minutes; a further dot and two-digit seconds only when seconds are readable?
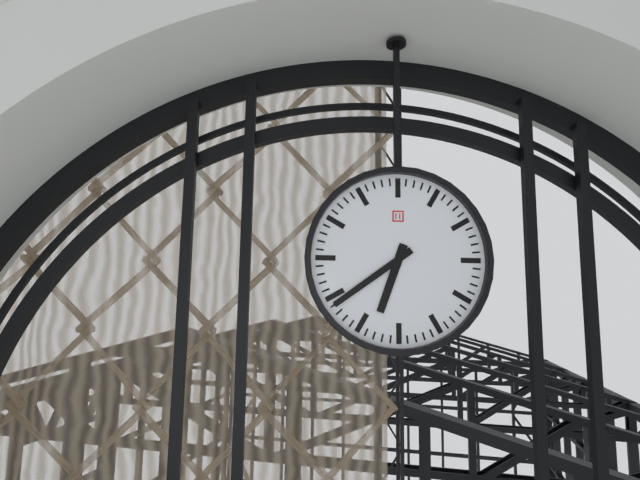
6.39
